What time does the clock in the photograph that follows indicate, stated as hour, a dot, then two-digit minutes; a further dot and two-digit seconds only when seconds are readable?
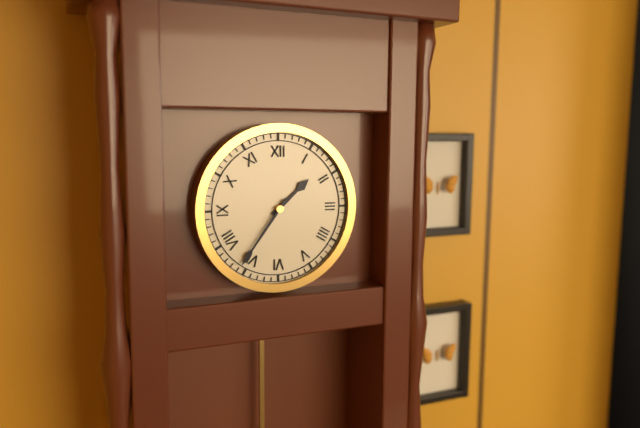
1.36
